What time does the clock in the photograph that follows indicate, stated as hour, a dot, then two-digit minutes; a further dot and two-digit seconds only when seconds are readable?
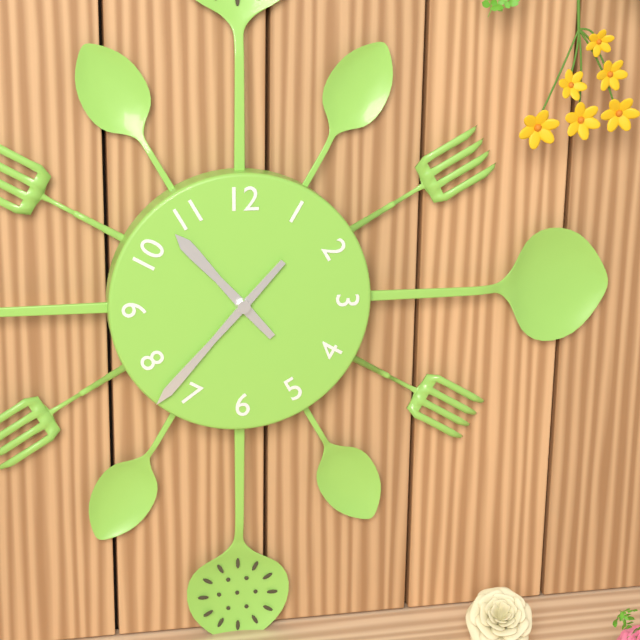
10.37
